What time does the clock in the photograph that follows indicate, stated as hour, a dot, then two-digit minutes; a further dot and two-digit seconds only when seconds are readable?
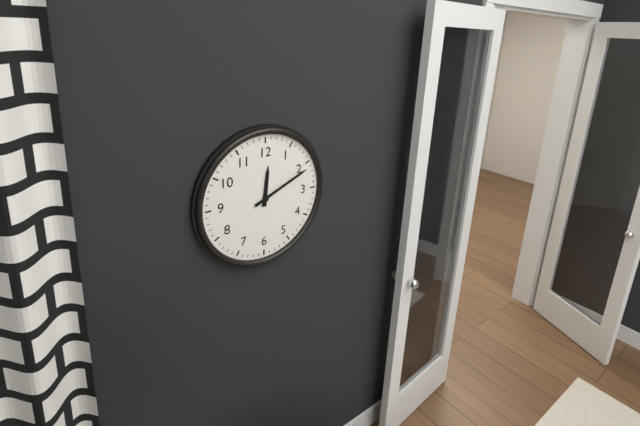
12.11
